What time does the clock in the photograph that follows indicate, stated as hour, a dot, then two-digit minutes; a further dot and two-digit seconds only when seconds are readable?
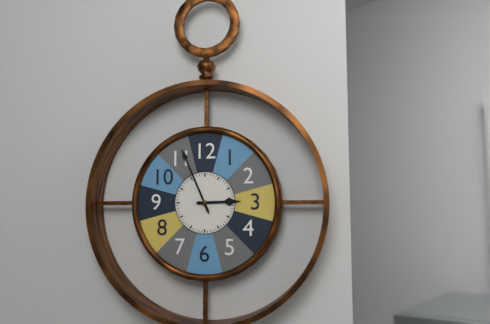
2.56
